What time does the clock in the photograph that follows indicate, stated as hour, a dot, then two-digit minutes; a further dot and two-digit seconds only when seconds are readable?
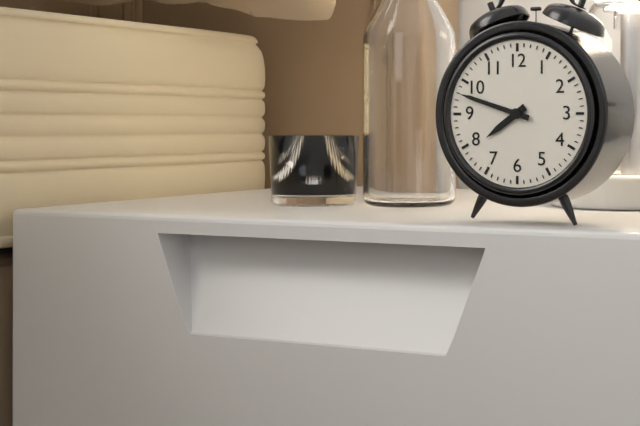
7.48
